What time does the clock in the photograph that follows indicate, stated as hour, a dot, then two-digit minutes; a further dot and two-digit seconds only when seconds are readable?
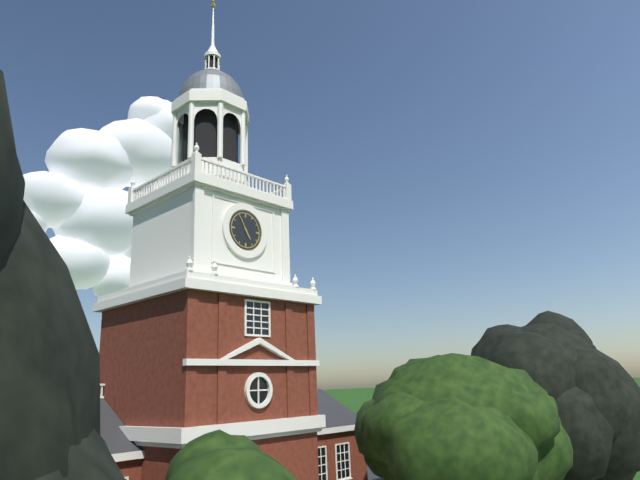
4.55
